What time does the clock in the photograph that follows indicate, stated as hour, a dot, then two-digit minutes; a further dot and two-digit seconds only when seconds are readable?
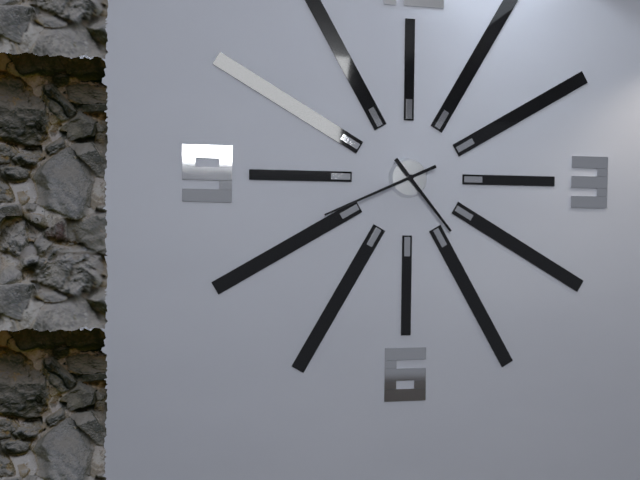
4.41
